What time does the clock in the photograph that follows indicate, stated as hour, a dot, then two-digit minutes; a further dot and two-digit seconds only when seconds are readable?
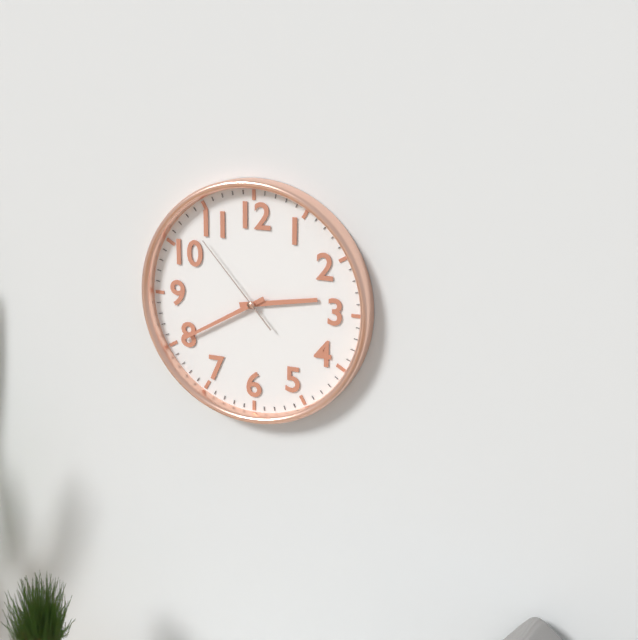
2.40.53
